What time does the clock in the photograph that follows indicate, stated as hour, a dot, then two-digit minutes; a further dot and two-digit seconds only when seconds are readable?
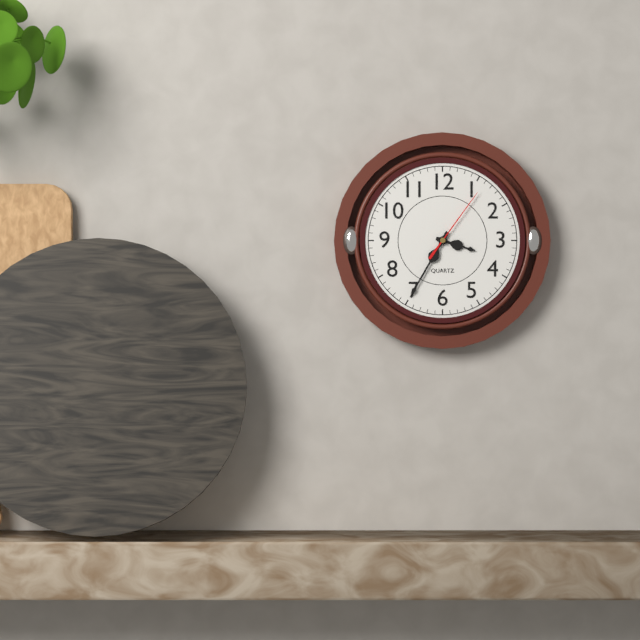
3.35.06
